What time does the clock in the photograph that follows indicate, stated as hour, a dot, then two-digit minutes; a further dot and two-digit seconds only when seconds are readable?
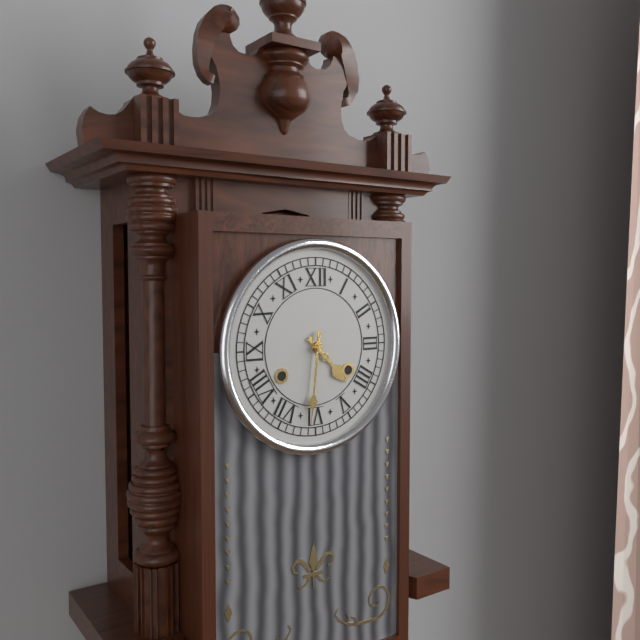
4.31
